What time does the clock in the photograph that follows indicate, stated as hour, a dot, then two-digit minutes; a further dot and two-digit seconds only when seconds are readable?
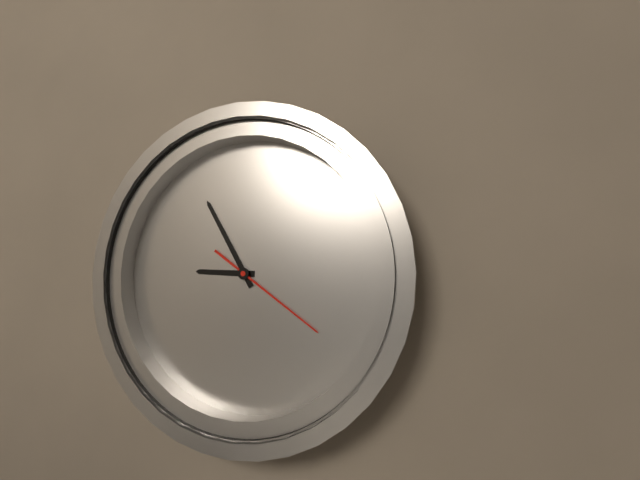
8.54.20
